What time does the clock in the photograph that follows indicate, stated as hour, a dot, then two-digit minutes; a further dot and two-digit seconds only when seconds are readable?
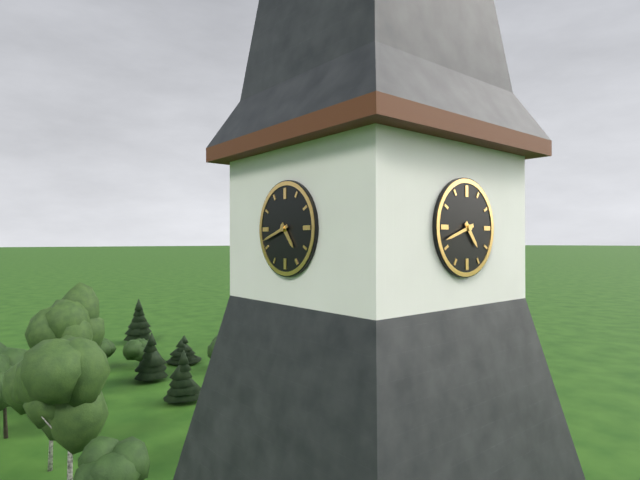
4.42
